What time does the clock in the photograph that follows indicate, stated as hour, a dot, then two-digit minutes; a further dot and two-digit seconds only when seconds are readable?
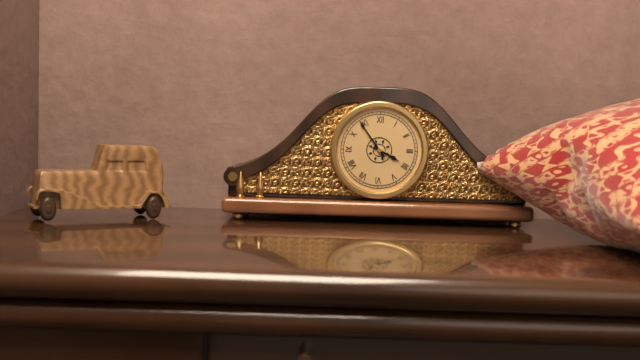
3.54
